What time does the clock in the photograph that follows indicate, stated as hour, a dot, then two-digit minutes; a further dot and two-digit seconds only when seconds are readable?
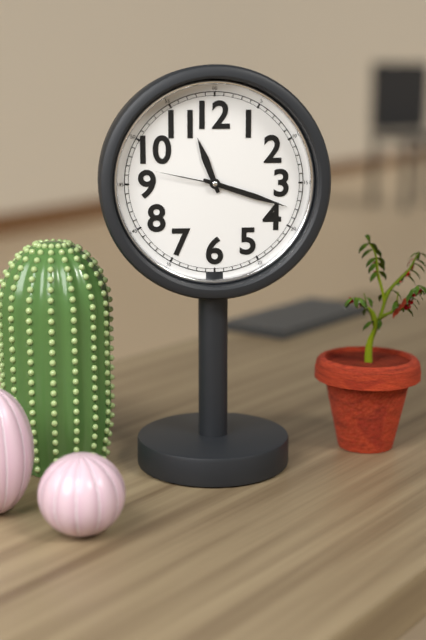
11.18.47
